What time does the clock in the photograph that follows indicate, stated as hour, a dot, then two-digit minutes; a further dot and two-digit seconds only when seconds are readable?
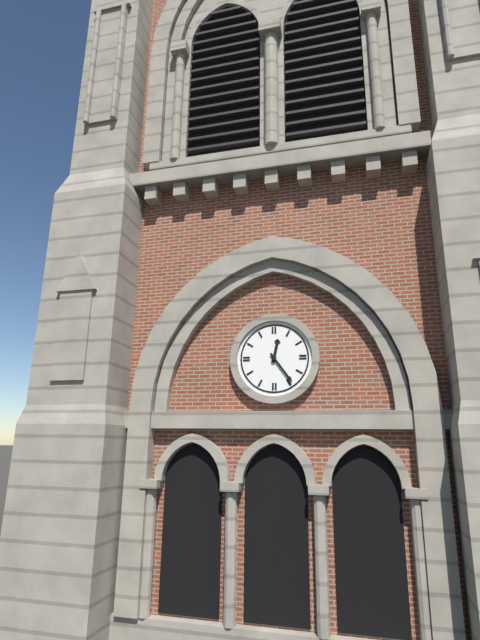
12.24
